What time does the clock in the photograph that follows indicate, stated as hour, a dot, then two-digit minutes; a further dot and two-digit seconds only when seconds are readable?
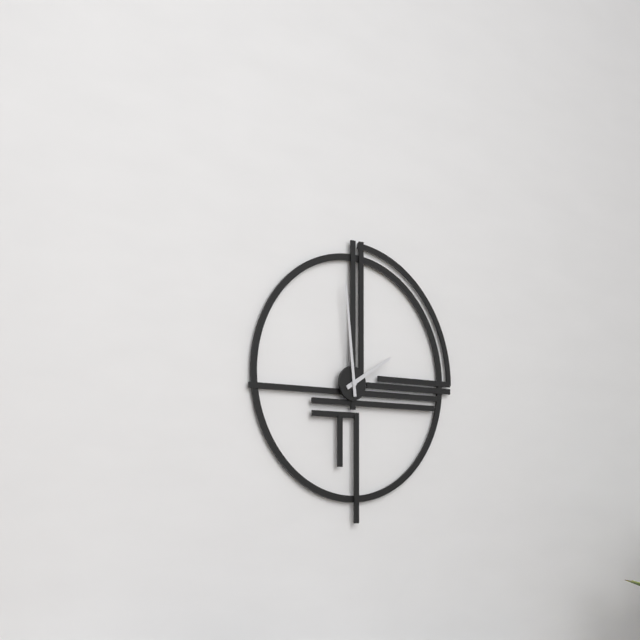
1.59
